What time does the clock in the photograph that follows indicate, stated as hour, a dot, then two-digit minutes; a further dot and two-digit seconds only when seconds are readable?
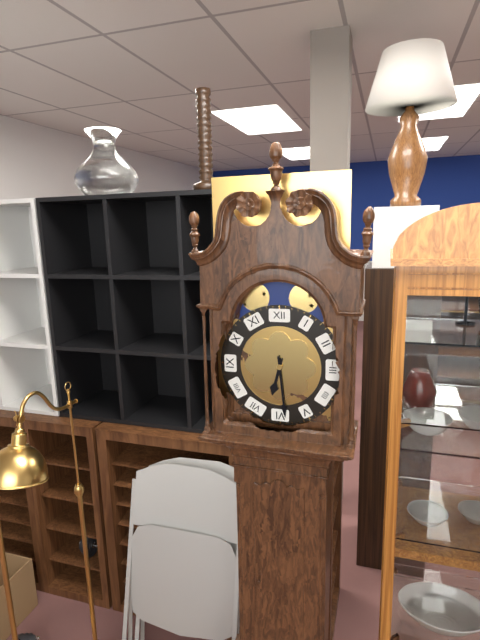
6.29
